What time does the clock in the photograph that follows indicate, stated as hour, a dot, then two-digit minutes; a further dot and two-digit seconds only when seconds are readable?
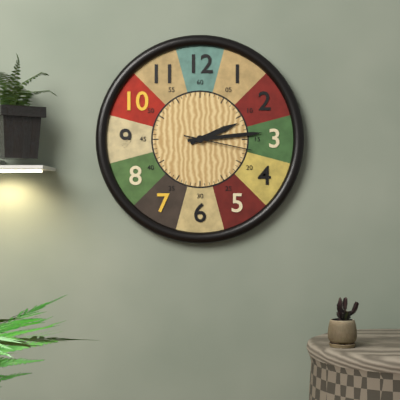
2.14.17
